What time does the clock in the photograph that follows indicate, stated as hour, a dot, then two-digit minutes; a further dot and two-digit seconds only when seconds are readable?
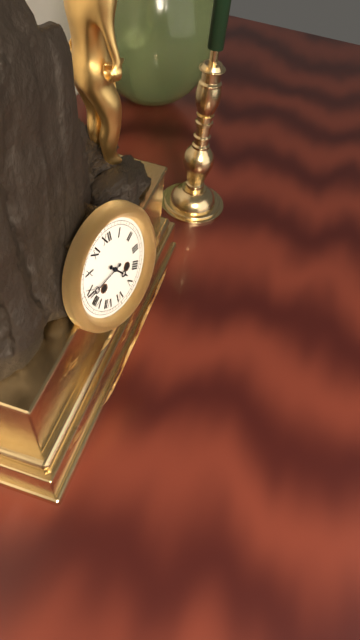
4.44
